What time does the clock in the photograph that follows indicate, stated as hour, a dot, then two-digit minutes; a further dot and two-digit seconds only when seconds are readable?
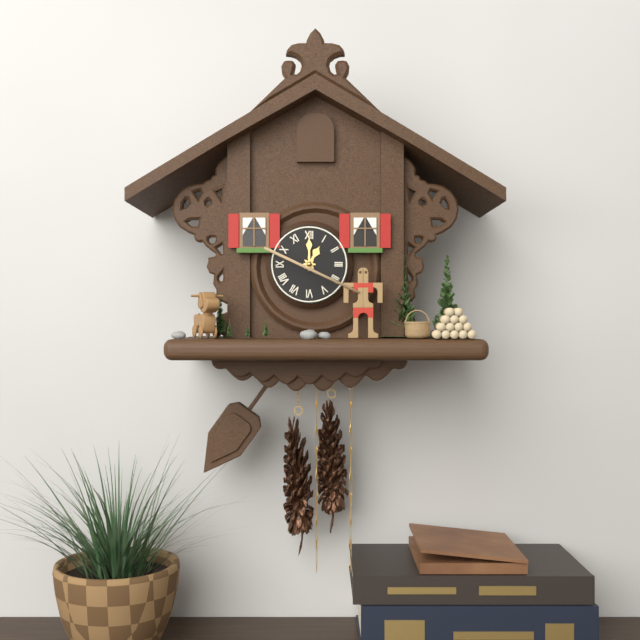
1.00
